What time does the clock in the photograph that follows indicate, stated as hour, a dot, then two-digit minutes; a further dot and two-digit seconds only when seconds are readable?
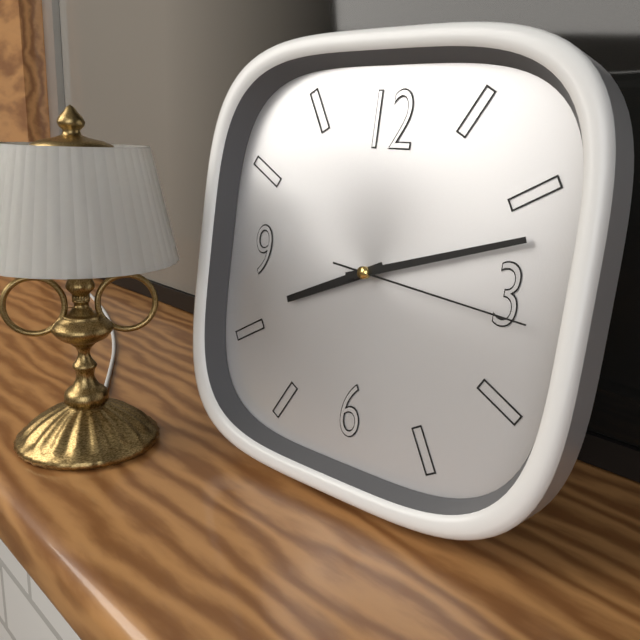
8.12.16
